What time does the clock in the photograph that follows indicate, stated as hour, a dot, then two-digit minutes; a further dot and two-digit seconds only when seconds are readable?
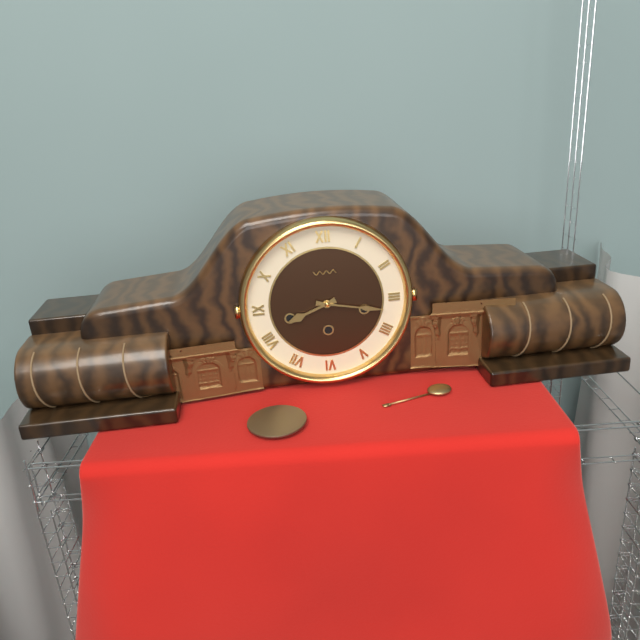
8.17
